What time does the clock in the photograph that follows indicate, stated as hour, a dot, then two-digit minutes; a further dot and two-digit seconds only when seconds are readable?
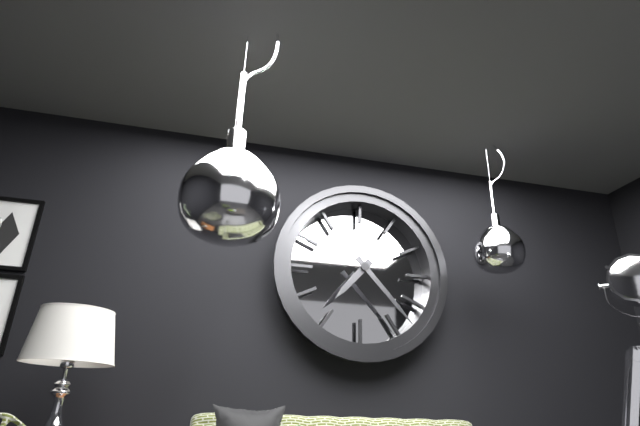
7.23
